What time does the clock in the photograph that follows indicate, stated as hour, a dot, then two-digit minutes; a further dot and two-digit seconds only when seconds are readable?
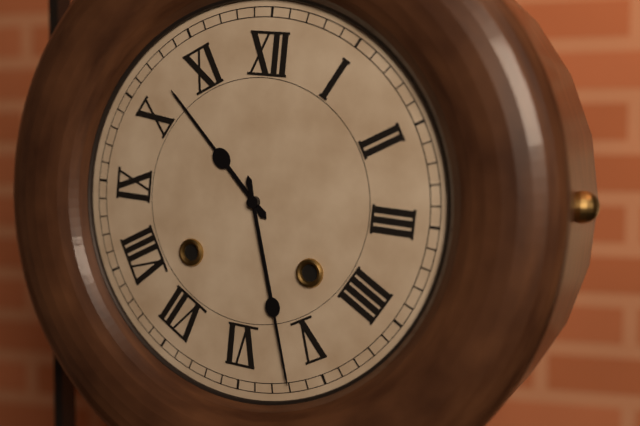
10.27
